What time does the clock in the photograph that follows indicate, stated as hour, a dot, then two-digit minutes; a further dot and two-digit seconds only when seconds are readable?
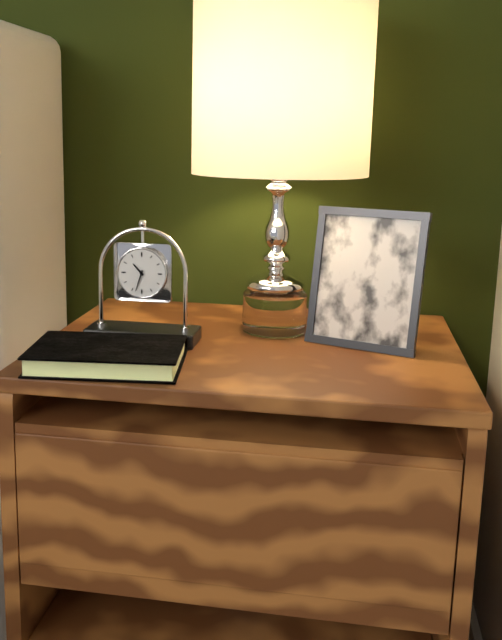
10.33
